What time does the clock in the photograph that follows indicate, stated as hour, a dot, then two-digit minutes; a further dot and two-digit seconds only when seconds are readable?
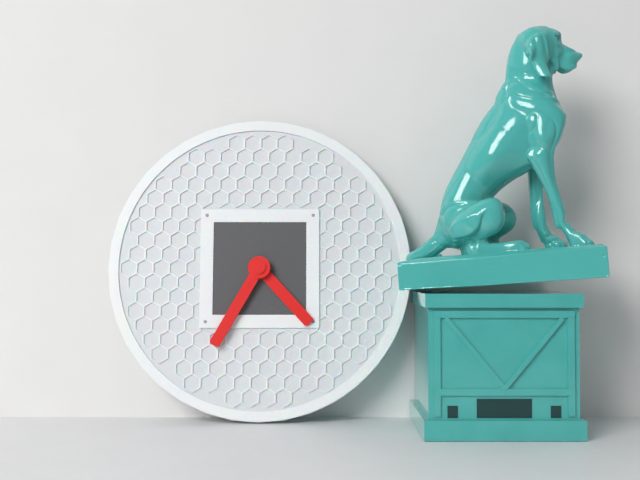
4.35
